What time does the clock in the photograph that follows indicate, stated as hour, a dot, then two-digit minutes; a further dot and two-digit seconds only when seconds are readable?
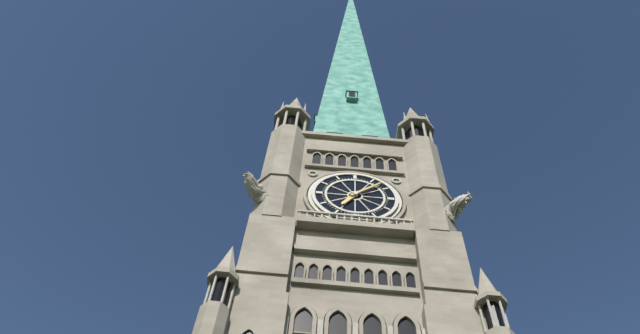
7.08
